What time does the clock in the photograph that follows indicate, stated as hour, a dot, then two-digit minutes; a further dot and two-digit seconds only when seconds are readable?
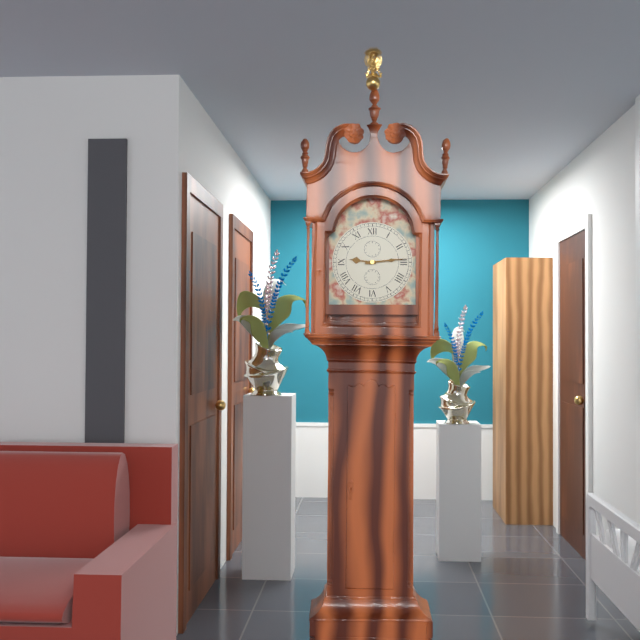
9.14
